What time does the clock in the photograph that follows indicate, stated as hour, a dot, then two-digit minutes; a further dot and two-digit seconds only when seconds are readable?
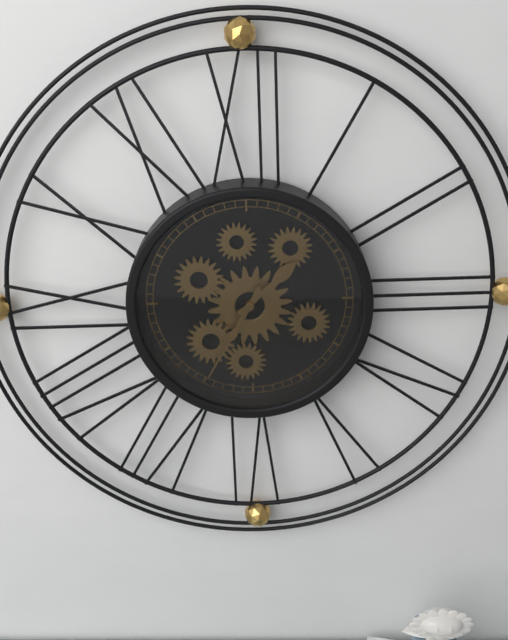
1.35
